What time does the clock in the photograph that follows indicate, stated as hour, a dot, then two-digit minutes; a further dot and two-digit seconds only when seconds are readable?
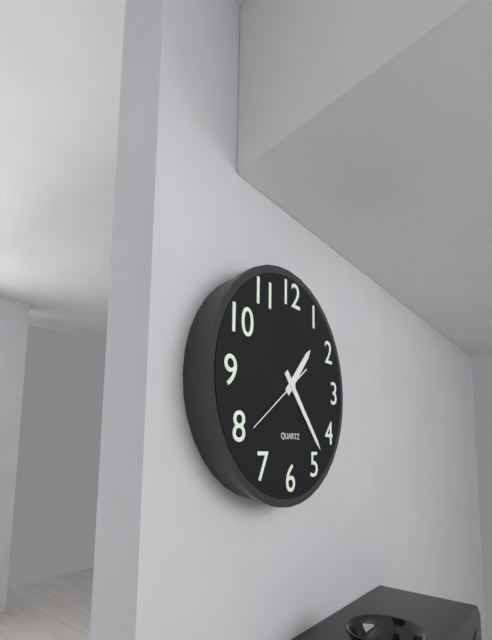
1.23.39
